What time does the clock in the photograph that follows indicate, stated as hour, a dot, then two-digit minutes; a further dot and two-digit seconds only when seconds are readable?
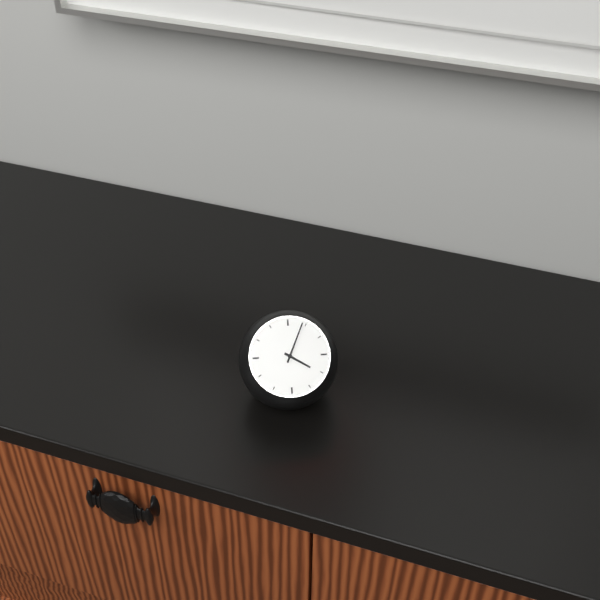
4.04
